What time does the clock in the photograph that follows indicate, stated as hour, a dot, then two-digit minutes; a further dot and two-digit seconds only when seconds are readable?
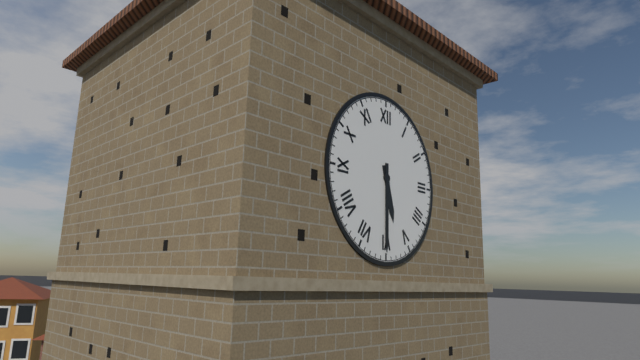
5.30
